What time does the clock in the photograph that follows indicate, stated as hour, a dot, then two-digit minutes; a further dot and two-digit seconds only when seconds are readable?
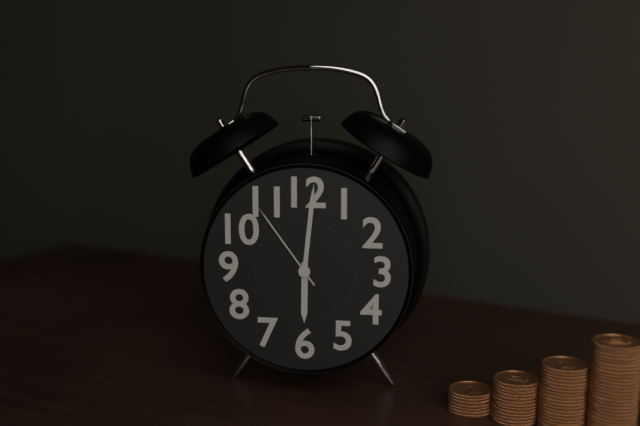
6.01.54
